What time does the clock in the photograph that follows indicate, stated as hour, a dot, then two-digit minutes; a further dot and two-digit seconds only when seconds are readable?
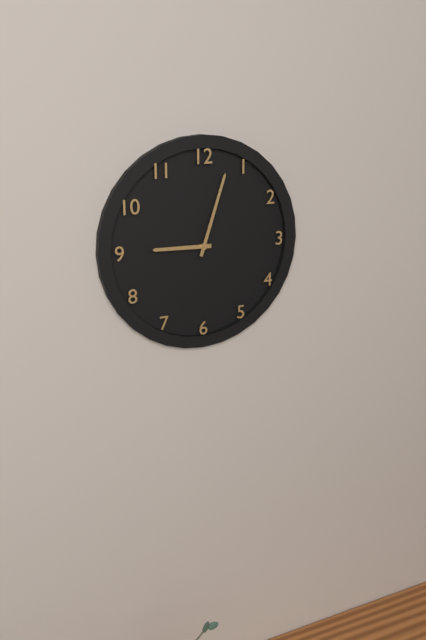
9.03
